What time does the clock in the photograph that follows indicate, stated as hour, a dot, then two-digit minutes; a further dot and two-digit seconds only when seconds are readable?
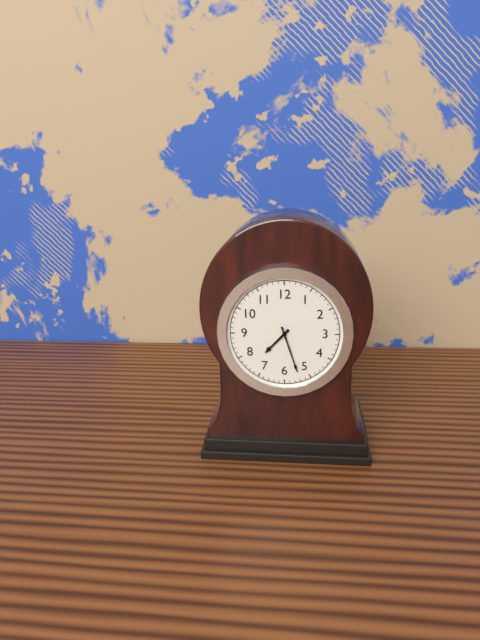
7.27
